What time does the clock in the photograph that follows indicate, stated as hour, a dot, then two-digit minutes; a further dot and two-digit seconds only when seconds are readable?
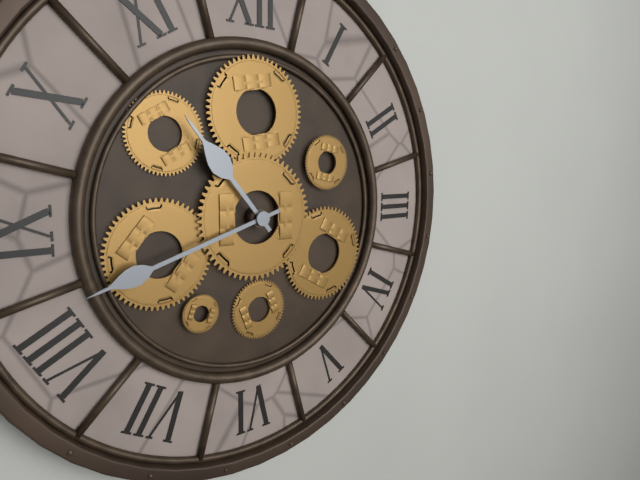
10.42
